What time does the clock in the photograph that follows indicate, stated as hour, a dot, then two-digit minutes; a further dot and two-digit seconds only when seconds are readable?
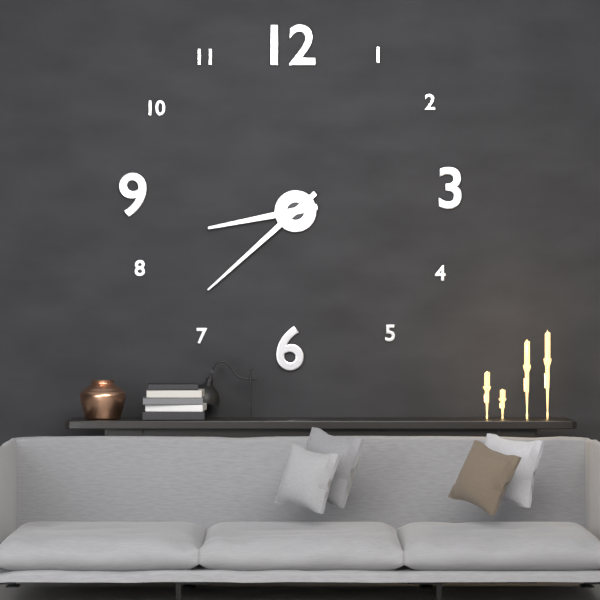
8.38
